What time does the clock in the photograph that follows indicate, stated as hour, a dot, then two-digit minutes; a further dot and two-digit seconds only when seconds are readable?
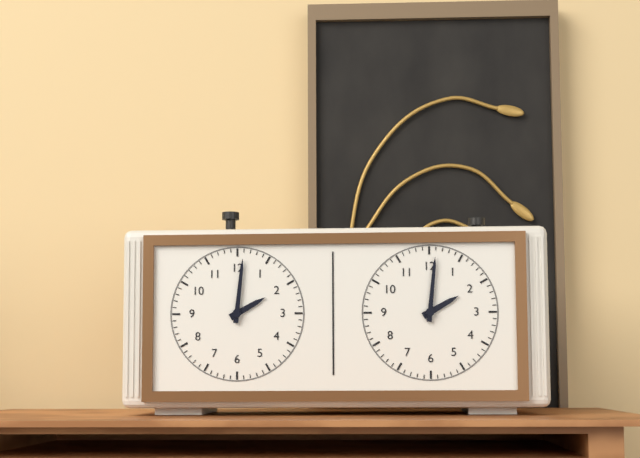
2.01
